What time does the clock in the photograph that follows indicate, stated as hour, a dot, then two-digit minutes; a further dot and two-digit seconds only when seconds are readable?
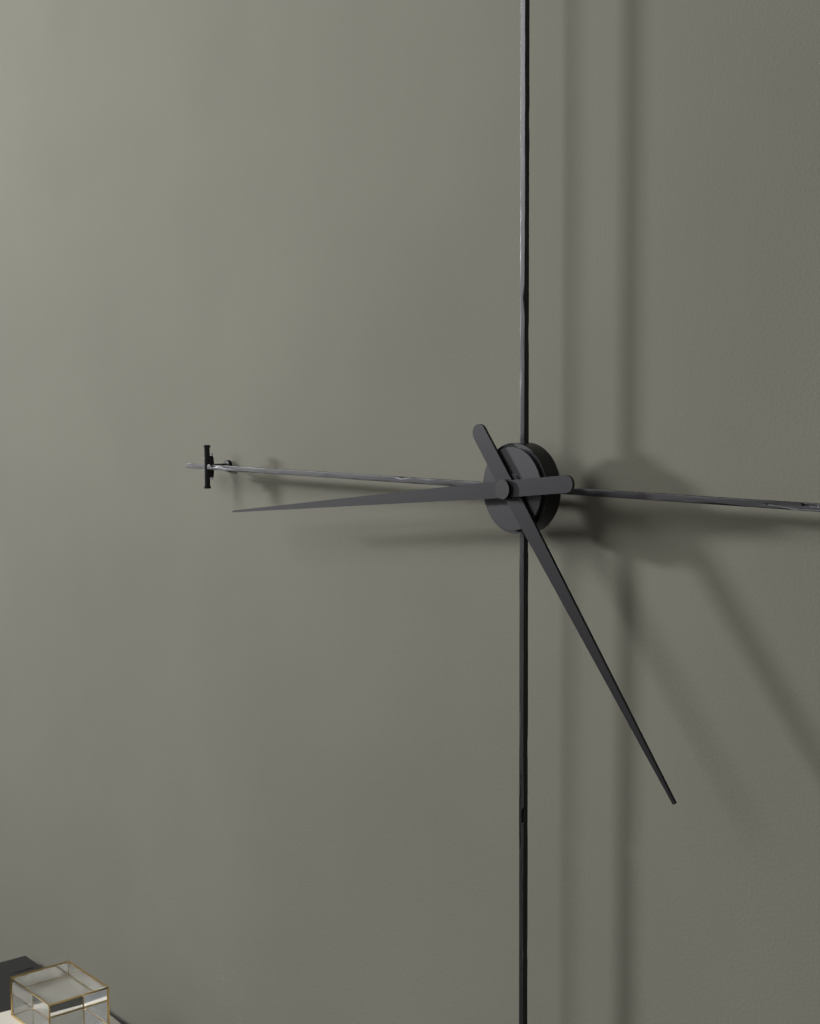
4.44
